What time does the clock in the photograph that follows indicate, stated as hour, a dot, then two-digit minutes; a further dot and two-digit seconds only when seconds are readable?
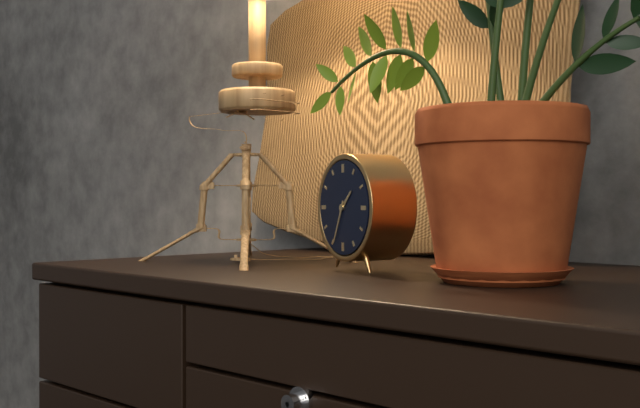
1.34
